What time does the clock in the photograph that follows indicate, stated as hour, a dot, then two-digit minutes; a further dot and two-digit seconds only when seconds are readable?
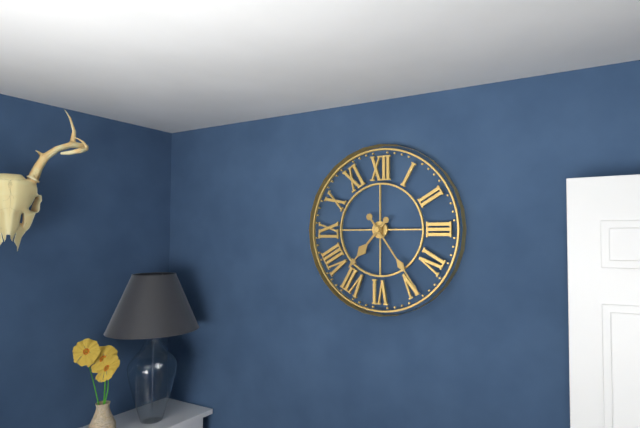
7.24
